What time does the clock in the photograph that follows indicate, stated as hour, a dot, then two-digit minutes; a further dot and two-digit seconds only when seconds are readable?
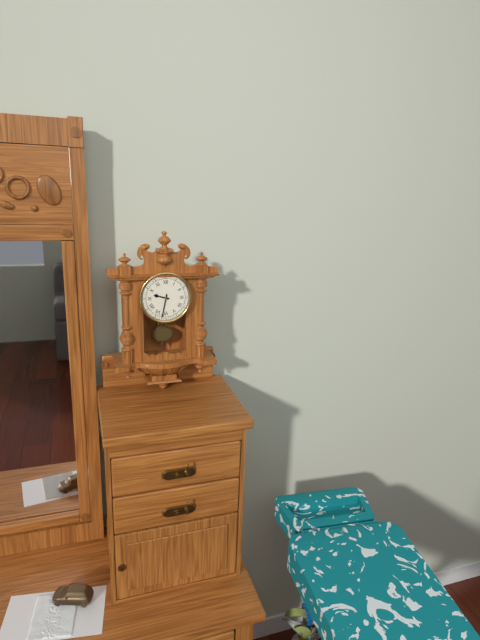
9.32
